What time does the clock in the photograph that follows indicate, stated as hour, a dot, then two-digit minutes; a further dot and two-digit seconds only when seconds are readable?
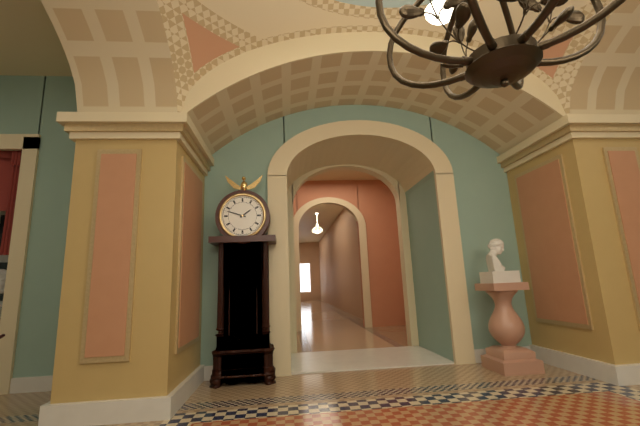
1.48
